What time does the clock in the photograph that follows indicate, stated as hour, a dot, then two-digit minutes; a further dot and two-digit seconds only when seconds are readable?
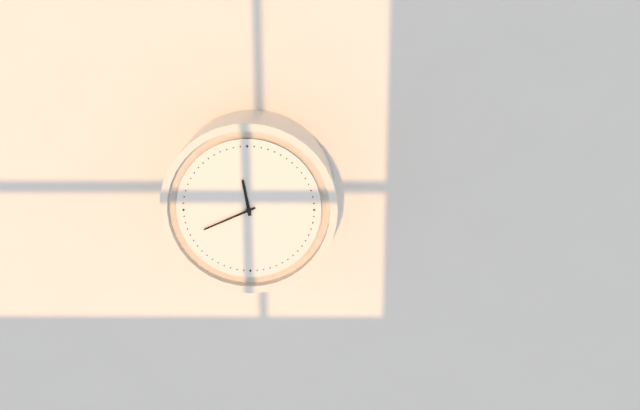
11.41
